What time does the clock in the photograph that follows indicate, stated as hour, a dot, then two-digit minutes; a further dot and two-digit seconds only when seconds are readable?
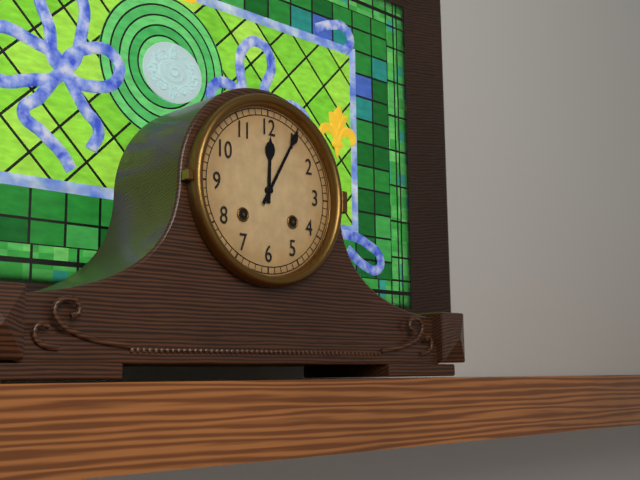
12.05
